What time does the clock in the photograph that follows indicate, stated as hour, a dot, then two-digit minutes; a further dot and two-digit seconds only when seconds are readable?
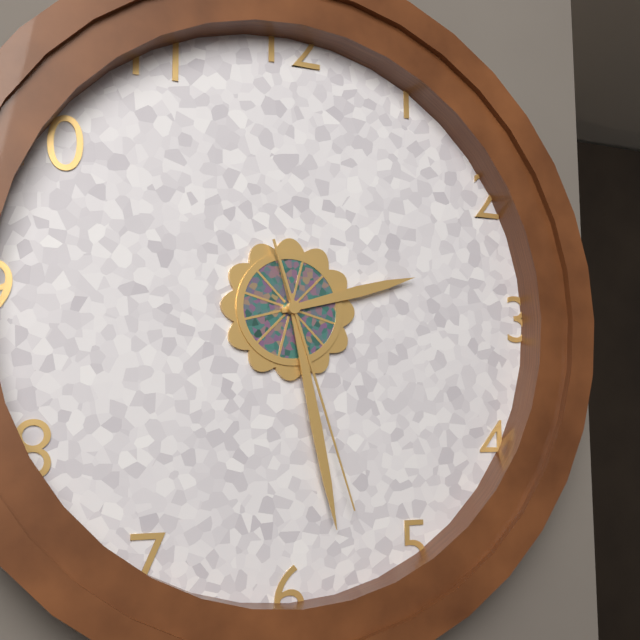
2.28.27
